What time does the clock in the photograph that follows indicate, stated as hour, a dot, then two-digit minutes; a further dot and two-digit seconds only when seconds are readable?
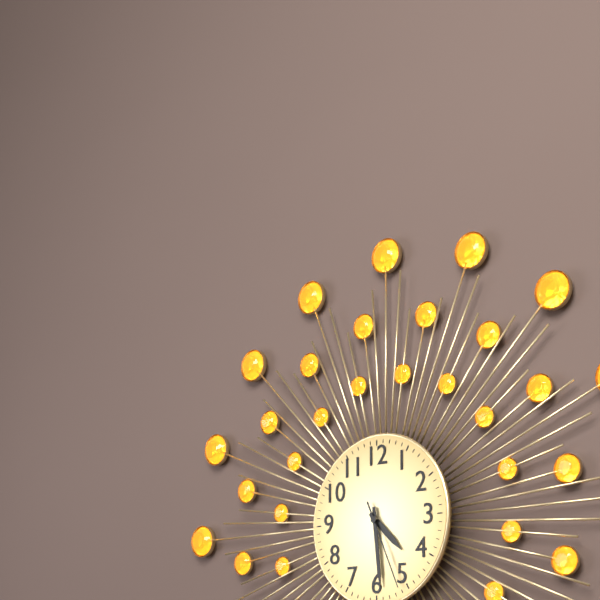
4.29.26
